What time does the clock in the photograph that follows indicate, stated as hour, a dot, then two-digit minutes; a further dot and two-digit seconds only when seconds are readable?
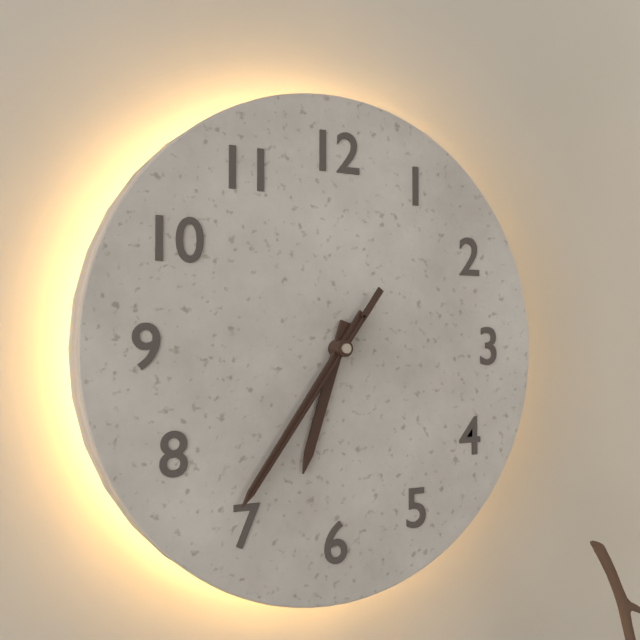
6.36.36
